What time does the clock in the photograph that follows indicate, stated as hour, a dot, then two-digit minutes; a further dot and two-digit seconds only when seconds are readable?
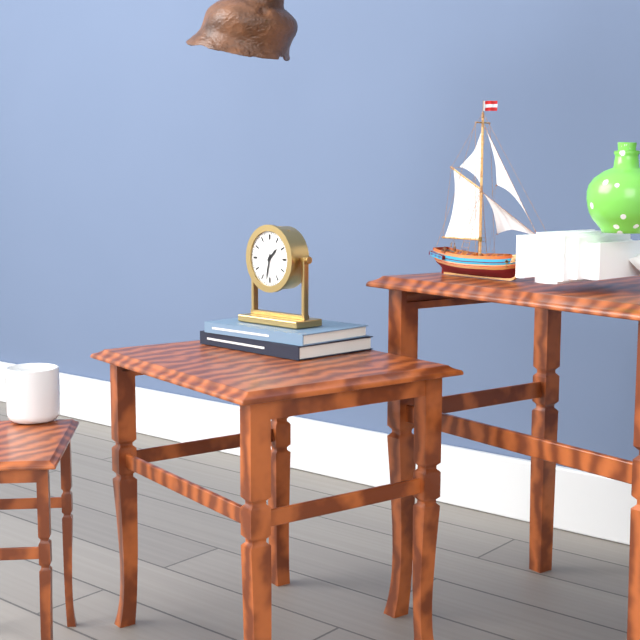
1.32
